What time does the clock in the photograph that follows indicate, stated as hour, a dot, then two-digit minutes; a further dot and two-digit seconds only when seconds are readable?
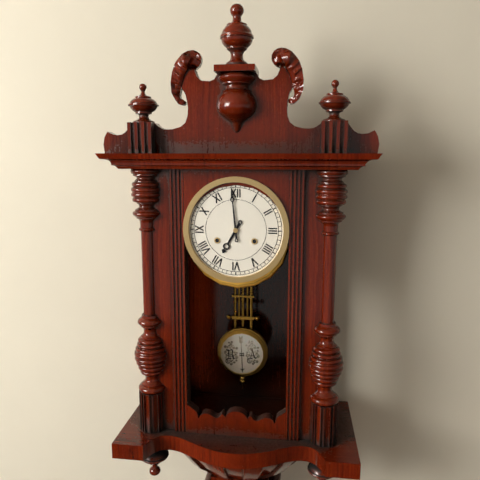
6.59
